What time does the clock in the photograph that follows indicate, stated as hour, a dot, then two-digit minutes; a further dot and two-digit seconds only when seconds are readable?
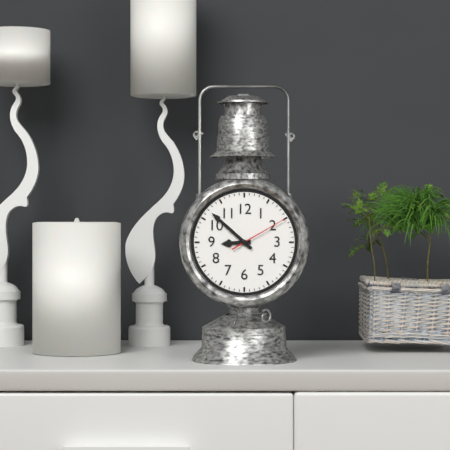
8.52.10
